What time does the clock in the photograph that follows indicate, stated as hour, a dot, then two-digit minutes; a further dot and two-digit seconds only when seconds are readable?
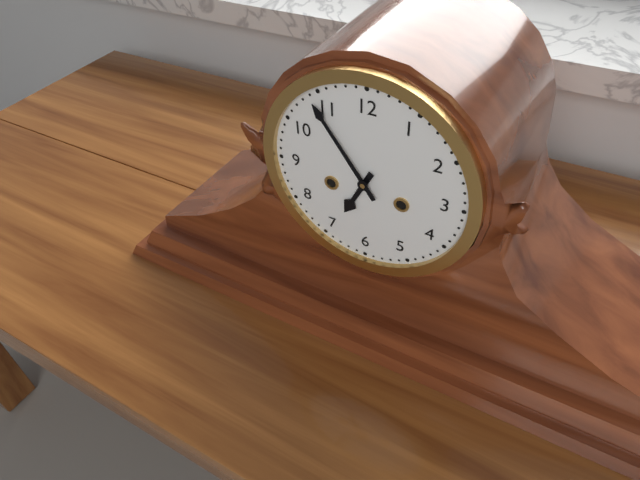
6.54
